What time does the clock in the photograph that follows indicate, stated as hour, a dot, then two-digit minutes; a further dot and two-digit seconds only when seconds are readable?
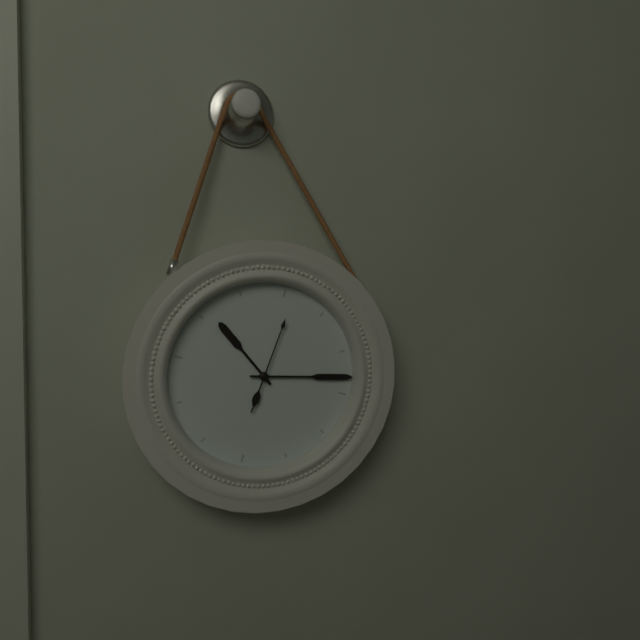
10.13.01
